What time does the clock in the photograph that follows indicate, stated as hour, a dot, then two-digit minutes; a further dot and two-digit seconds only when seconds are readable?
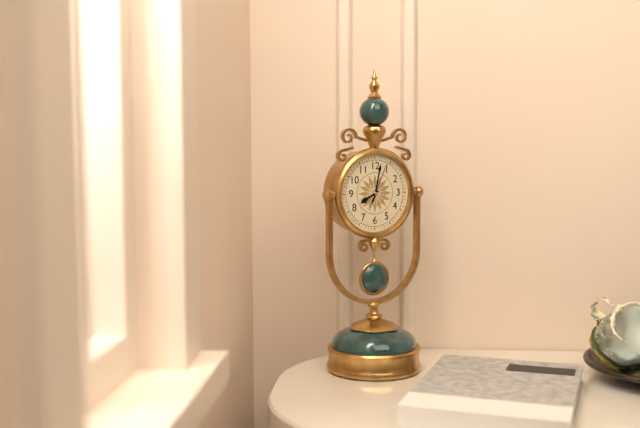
8.02
